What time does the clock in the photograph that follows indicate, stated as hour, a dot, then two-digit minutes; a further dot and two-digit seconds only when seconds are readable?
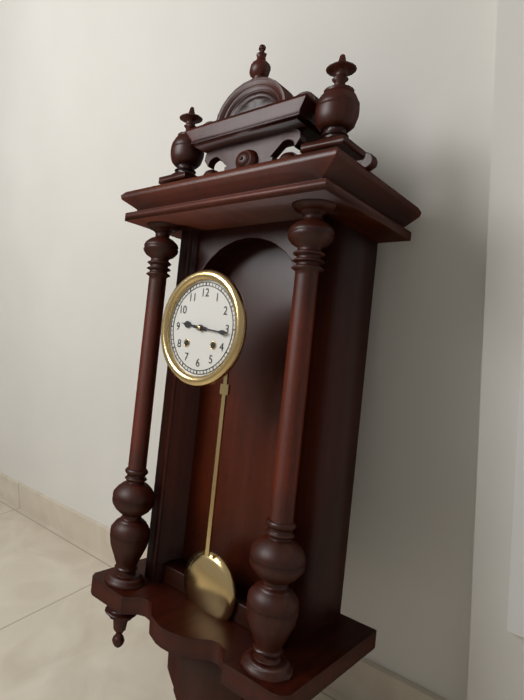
9.16
